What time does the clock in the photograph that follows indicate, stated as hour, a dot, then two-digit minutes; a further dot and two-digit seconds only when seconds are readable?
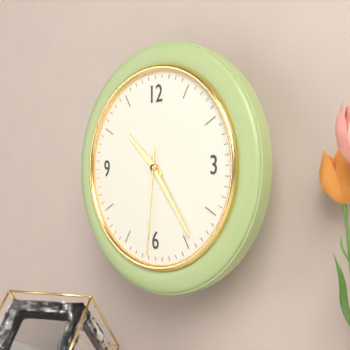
10.24.31
